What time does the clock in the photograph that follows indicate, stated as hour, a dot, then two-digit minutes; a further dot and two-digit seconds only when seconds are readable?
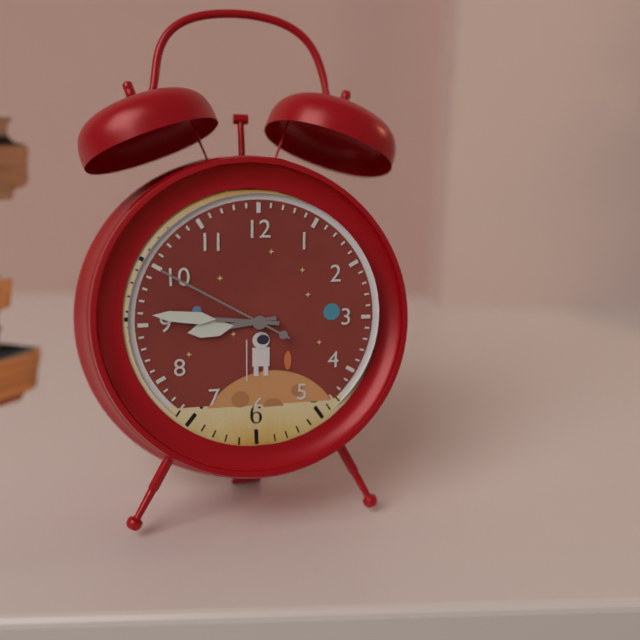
8.46.50
